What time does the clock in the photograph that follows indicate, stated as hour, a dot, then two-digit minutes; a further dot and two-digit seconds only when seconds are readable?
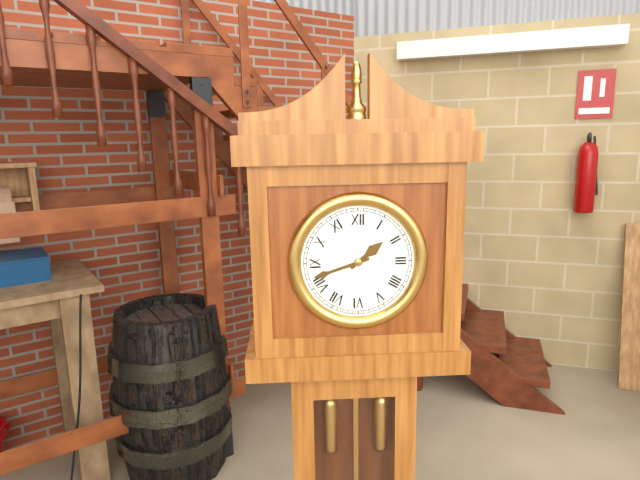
1.42
